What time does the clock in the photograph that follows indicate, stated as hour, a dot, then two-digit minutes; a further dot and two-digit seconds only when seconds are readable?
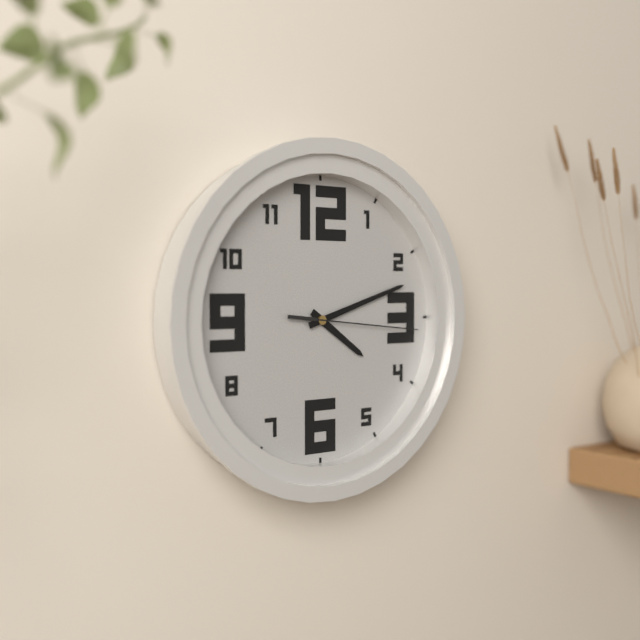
4.12.16
